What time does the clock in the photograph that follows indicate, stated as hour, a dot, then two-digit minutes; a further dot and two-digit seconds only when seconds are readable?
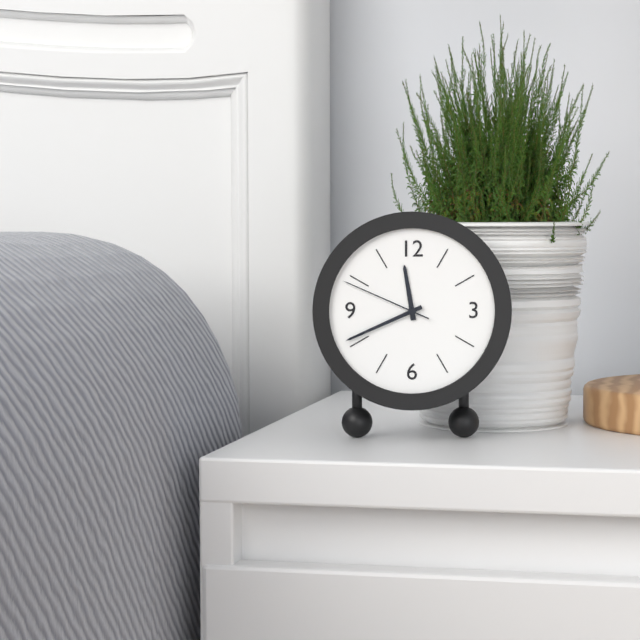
11.41.49
